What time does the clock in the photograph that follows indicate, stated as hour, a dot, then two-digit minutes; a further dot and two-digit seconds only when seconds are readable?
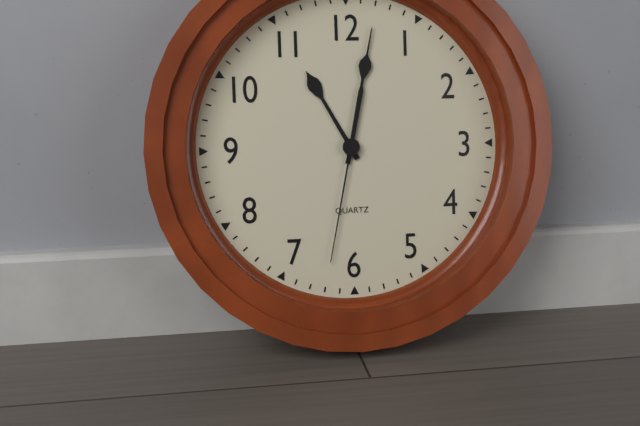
11.02.32
